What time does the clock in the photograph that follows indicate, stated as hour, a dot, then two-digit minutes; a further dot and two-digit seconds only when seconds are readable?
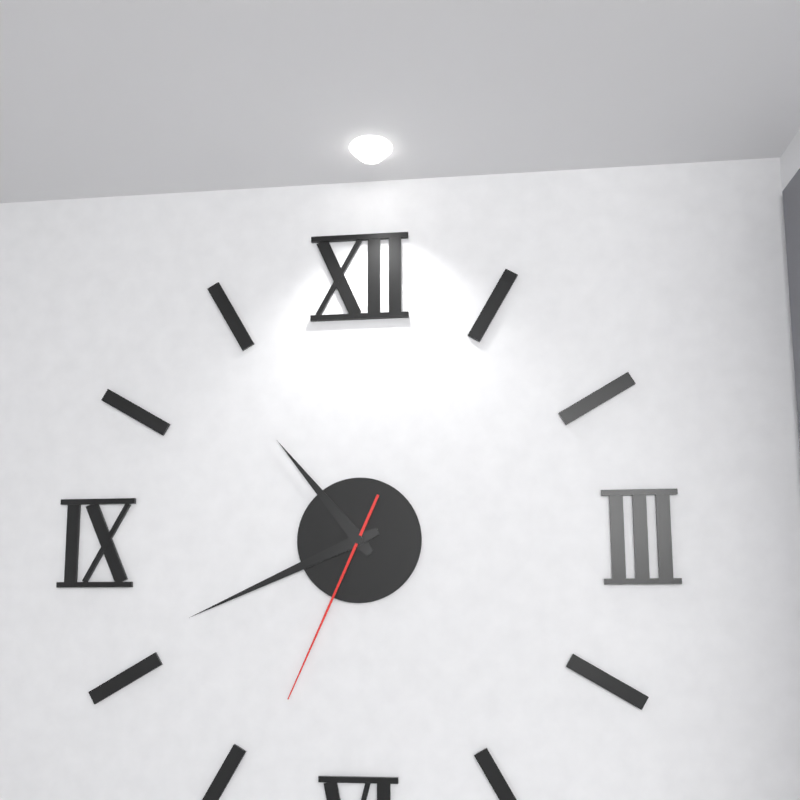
10.41.34
